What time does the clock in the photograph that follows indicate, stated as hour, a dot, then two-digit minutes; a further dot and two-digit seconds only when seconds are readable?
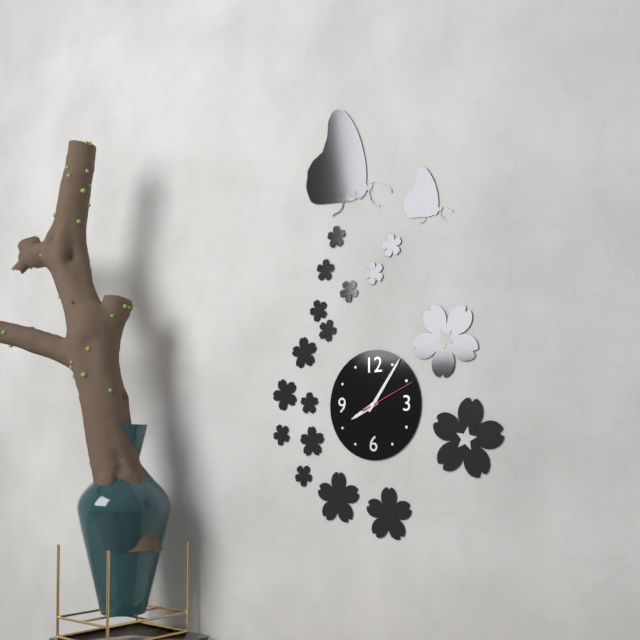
8.06.11
